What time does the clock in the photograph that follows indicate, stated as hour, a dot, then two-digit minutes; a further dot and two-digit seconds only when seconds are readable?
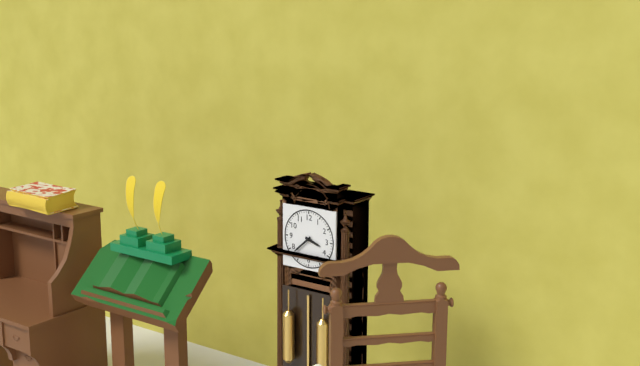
3.38
